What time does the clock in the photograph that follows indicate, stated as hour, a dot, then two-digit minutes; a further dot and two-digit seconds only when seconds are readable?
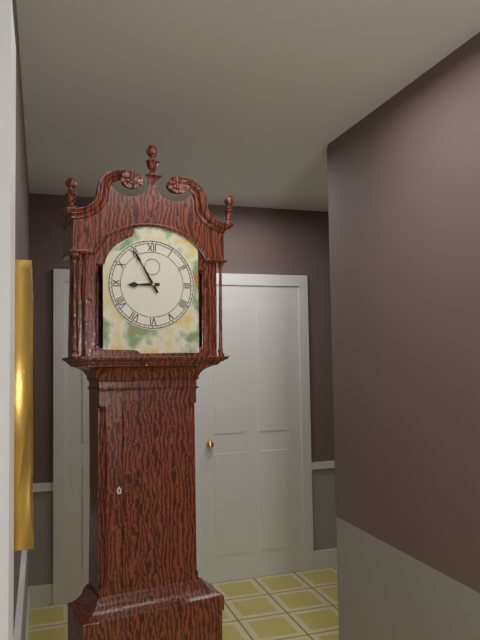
8.55
